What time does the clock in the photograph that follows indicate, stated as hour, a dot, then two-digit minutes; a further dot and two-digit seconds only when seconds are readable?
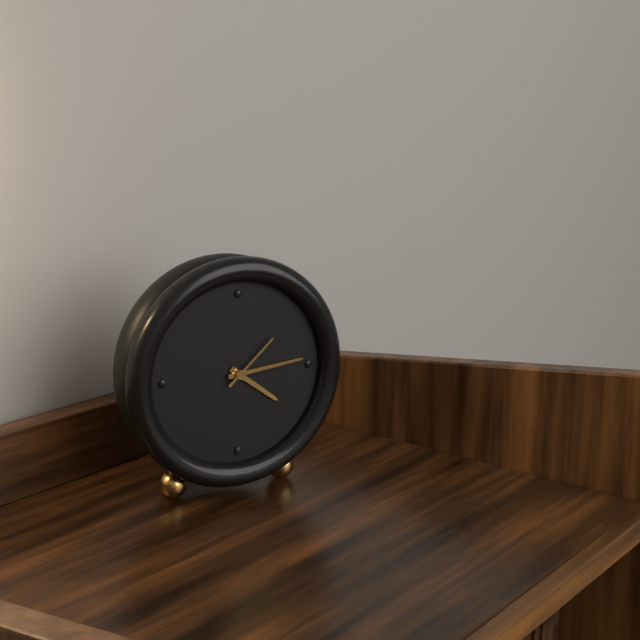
4.14.08
